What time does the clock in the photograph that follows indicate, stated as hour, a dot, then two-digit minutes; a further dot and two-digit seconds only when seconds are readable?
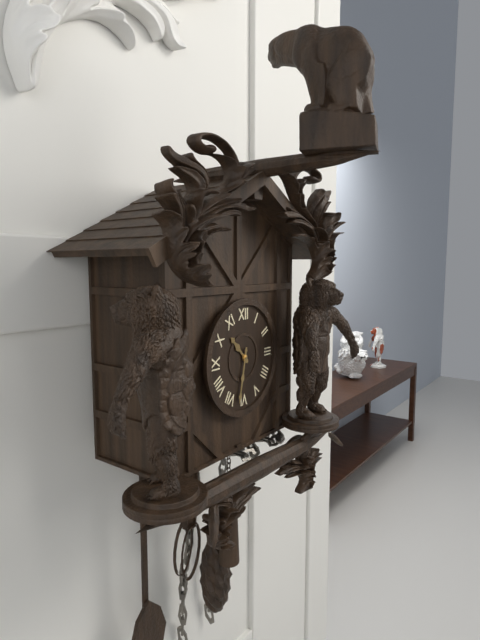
10.32
